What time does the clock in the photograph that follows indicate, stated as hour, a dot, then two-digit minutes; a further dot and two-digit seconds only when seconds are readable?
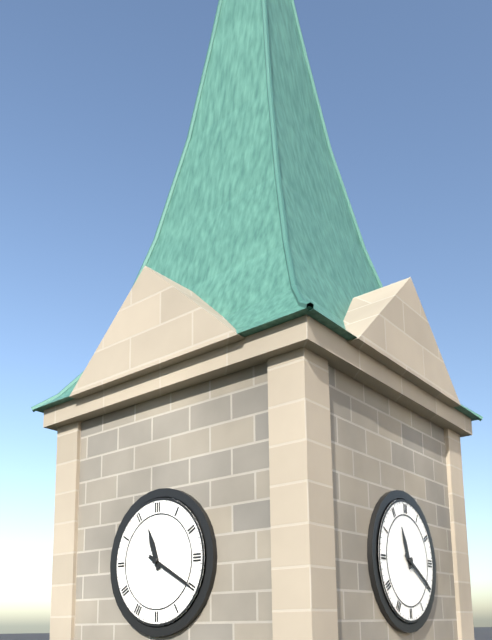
11.20
